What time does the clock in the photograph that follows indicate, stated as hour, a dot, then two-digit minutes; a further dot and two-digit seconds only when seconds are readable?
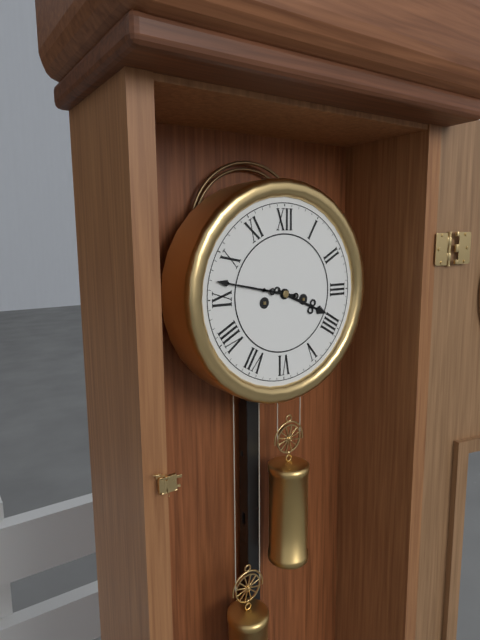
3.47
